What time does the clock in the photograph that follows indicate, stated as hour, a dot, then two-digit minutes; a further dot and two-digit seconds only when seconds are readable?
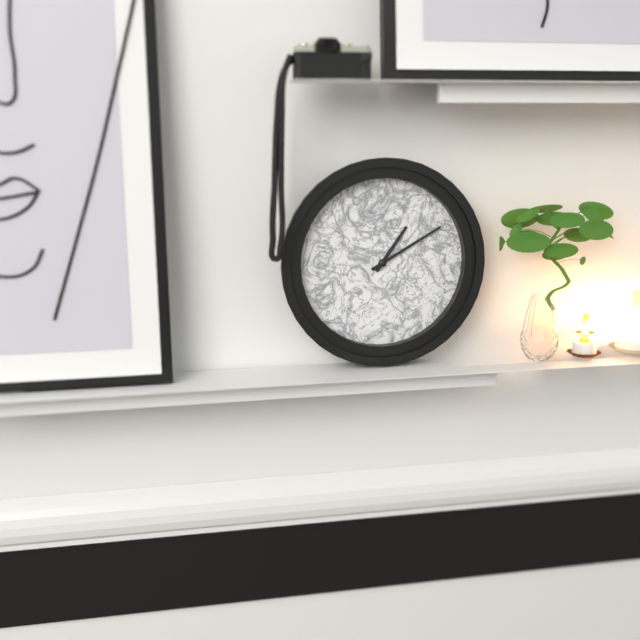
1.10
